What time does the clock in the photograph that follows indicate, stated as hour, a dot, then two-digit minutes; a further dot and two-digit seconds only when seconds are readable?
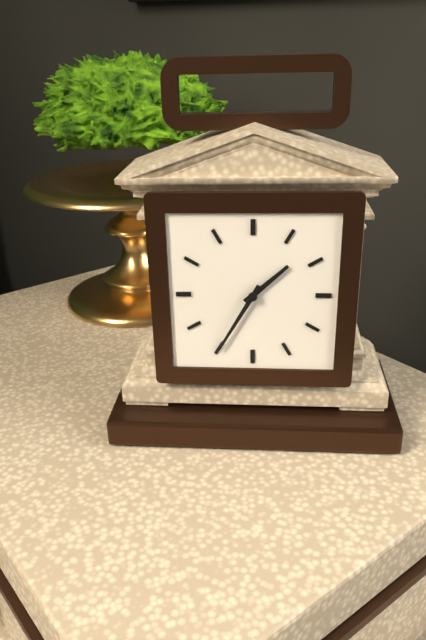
1.35
